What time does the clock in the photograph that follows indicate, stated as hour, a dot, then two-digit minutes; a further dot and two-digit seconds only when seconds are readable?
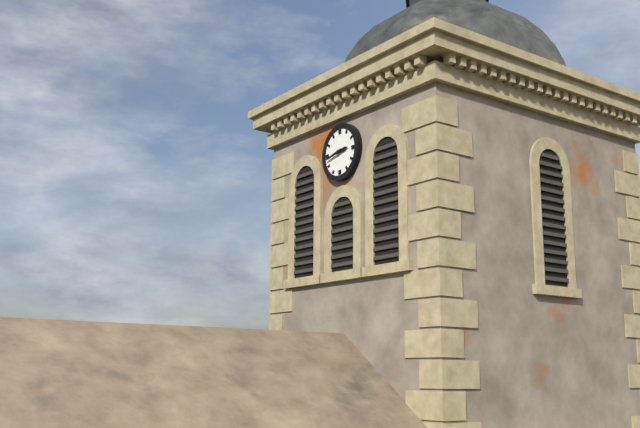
2.43
